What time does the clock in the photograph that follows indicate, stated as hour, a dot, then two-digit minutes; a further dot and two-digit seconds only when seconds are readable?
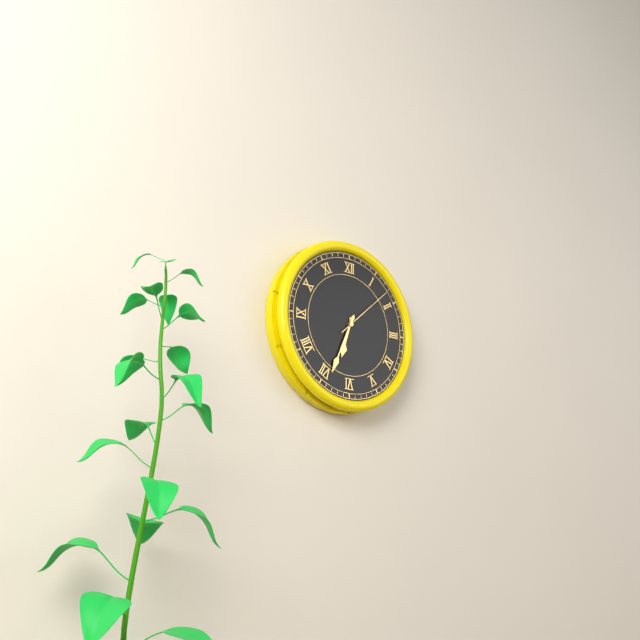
6.34.08
